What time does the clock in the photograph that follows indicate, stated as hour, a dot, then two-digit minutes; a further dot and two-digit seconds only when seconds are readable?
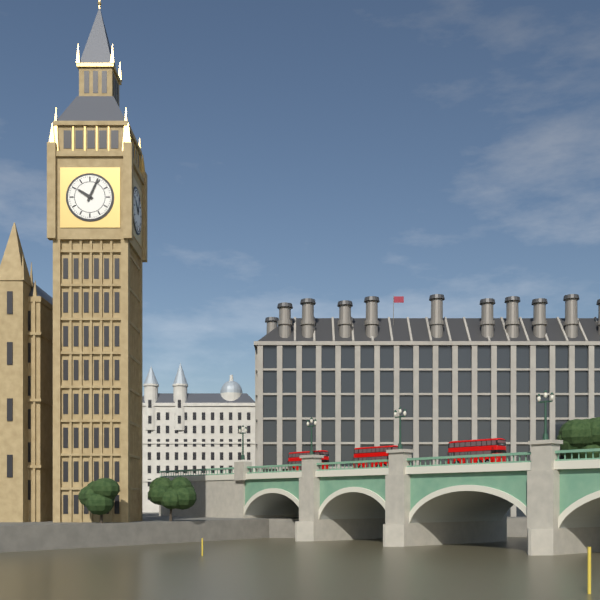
10.04
